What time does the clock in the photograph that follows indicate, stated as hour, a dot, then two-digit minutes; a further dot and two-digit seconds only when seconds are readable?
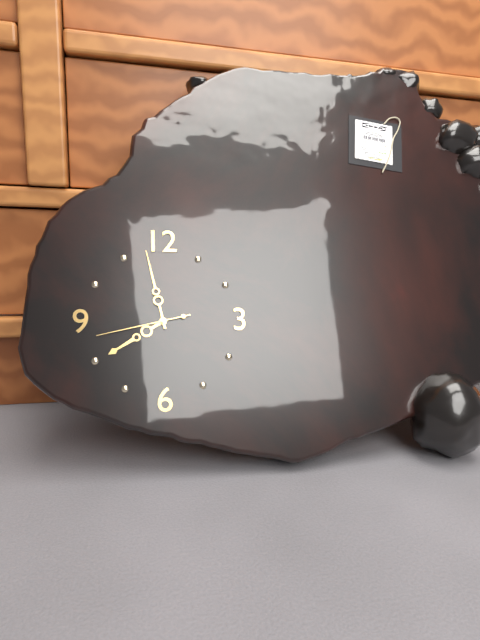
7.58.43
